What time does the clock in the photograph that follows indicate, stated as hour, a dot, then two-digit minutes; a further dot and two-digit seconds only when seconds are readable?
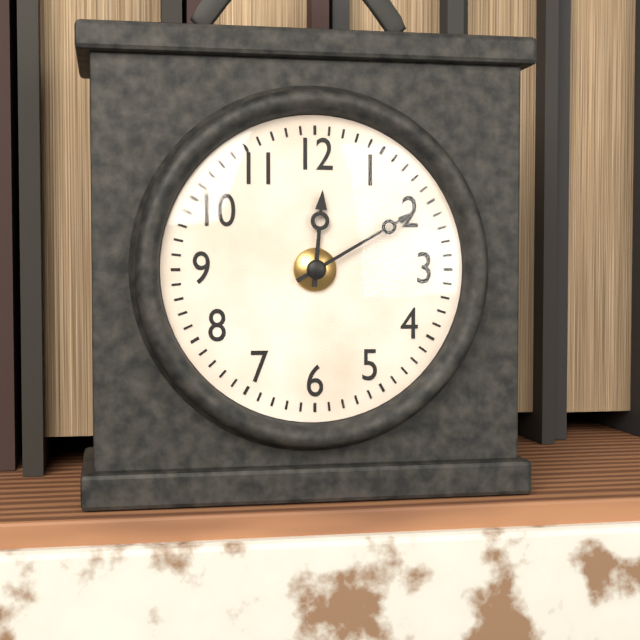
12.10
